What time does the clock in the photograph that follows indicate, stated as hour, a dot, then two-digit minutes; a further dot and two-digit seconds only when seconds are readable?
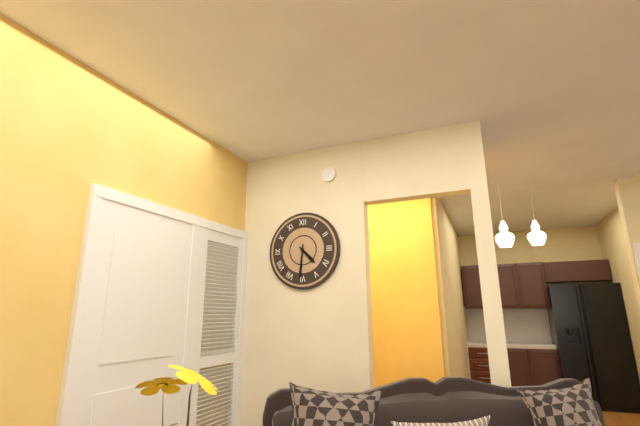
4.31
